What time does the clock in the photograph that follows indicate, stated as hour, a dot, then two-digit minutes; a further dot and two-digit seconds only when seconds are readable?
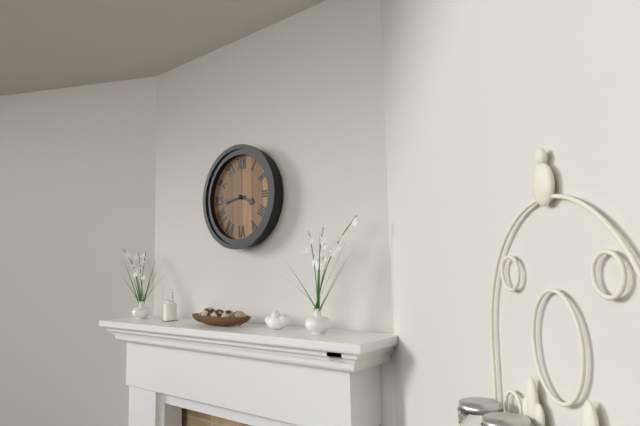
3.44
